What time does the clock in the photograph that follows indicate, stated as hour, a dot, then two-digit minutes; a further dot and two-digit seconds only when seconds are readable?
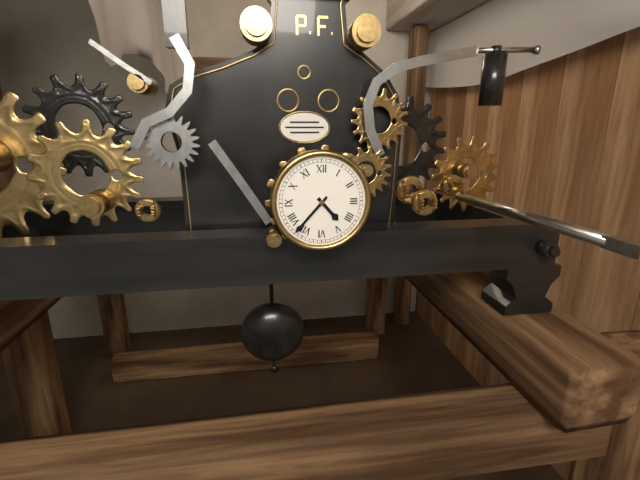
4.37
